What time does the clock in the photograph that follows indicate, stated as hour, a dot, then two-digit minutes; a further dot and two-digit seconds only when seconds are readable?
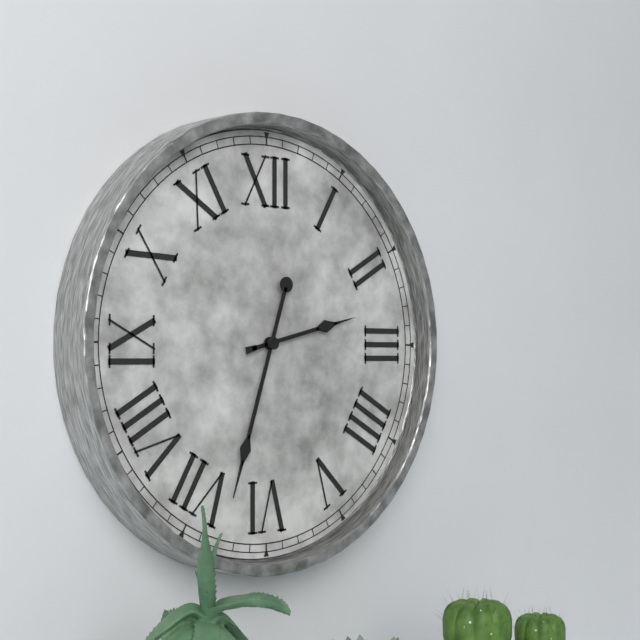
2.33
